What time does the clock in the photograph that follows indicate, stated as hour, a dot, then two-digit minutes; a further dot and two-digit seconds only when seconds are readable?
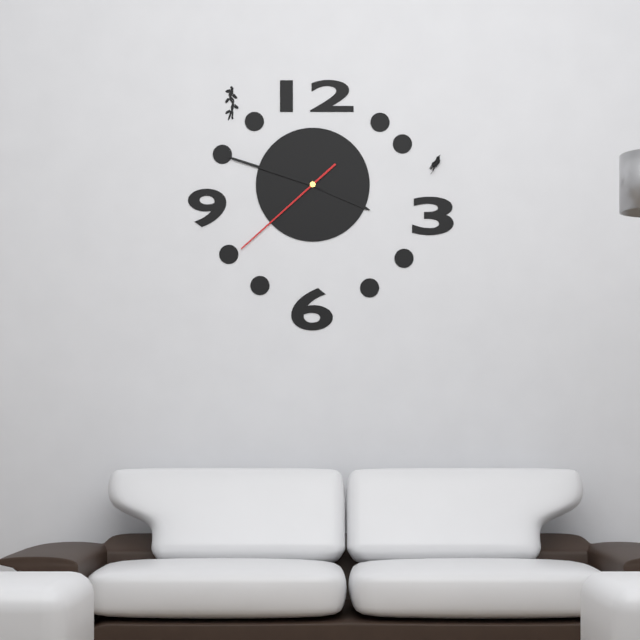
3.48.38
